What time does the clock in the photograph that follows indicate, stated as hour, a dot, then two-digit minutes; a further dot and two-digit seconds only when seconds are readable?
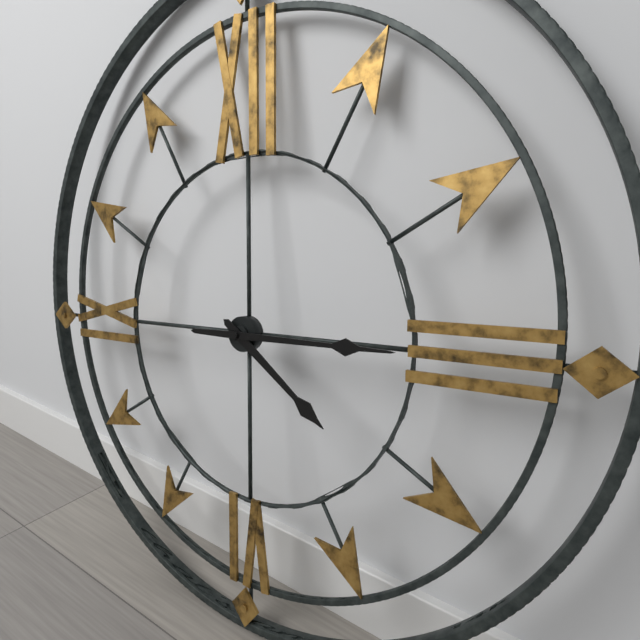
4.15
